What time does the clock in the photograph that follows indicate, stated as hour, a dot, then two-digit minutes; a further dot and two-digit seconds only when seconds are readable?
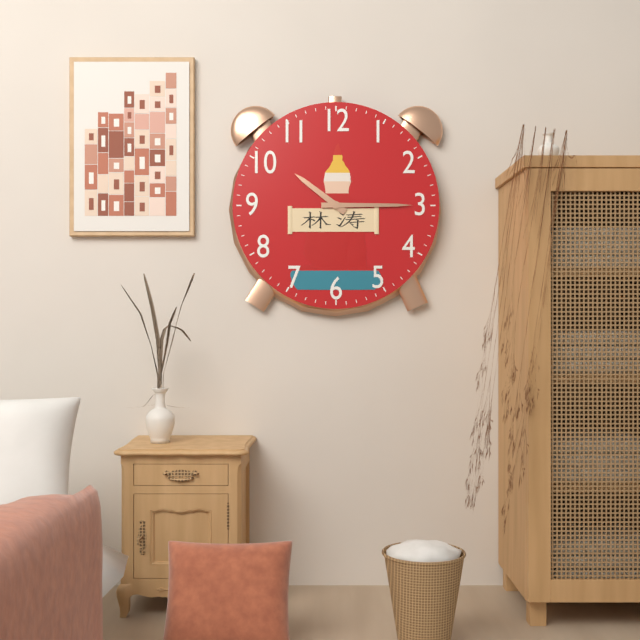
10.15
